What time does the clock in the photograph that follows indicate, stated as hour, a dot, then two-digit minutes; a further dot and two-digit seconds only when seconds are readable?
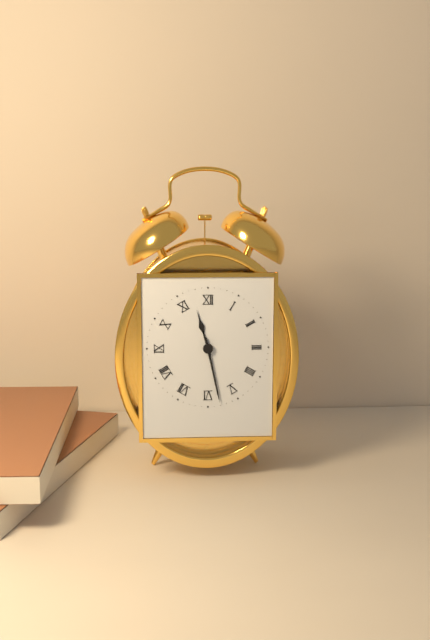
11.28
